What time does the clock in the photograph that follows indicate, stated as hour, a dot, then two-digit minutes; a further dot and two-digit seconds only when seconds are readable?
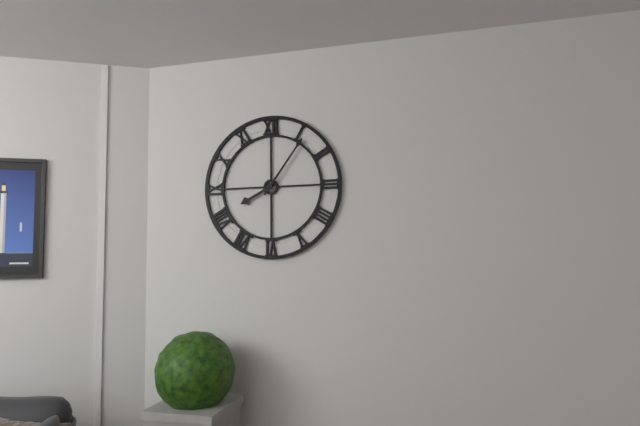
8.06
